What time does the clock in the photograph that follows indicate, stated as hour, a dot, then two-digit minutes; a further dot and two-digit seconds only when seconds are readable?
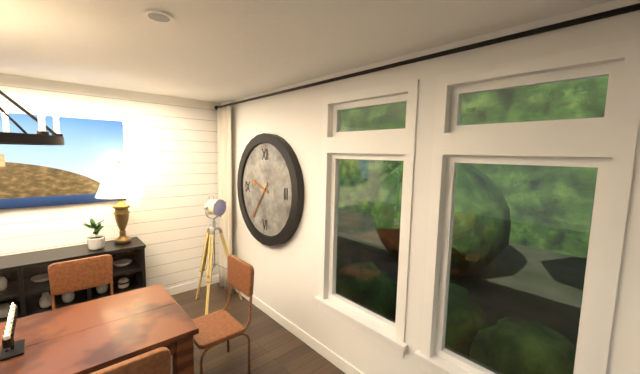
9.36
